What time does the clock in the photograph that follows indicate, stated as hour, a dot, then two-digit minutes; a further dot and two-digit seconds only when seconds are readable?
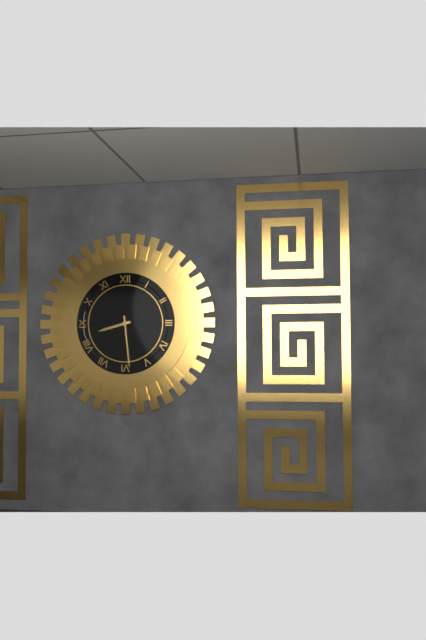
8.29
